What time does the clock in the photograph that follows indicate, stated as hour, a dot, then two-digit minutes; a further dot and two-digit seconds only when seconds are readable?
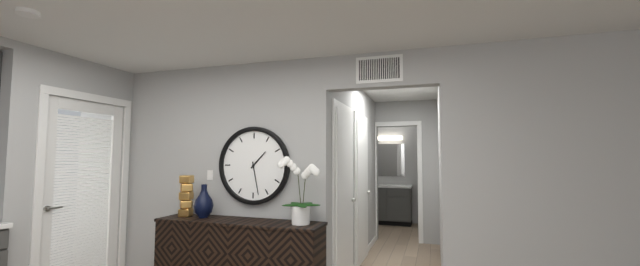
1.28
